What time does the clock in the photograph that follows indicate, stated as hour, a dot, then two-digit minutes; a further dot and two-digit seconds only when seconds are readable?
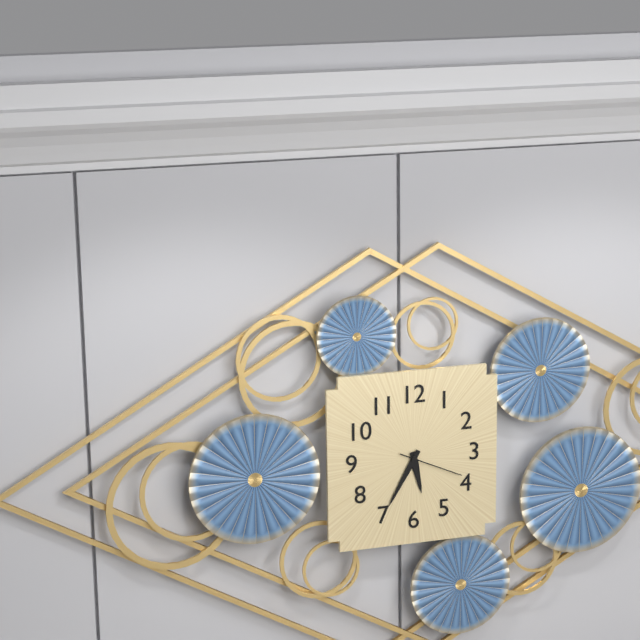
5.35.19
